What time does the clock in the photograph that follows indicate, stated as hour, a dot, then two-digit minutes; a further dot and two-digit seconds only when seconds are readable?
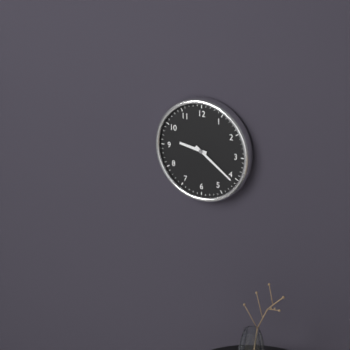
9.21
